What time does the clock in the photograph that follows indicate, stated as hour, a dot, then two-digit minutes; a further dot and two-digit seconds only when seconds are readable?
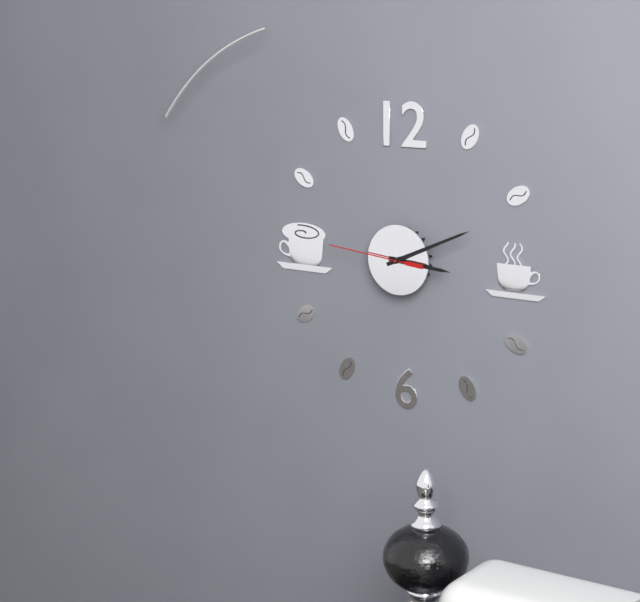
3.11.46
